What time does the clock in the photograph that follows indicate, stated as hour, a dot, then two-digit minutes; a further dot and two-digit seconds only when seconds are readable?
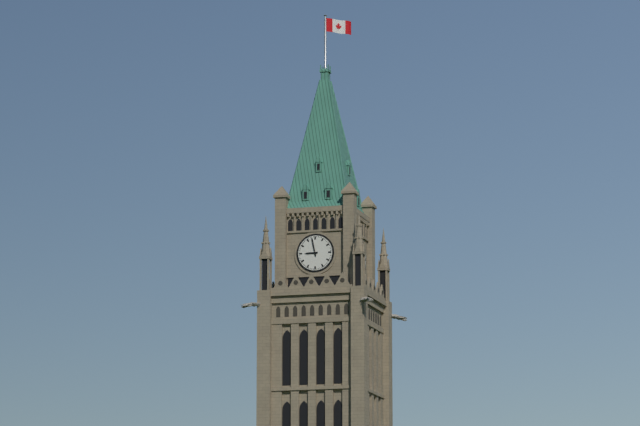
8.58
